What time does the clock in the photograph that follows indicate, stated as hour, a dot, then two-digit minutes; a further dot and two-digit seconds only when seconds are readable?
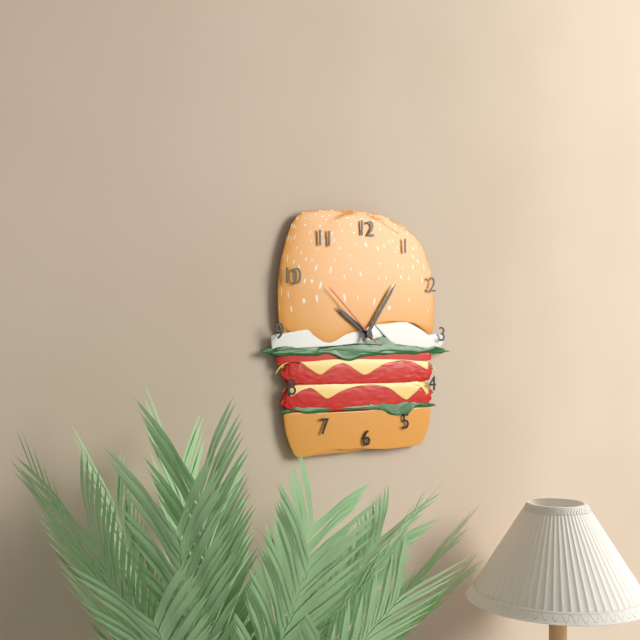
10.06.52
